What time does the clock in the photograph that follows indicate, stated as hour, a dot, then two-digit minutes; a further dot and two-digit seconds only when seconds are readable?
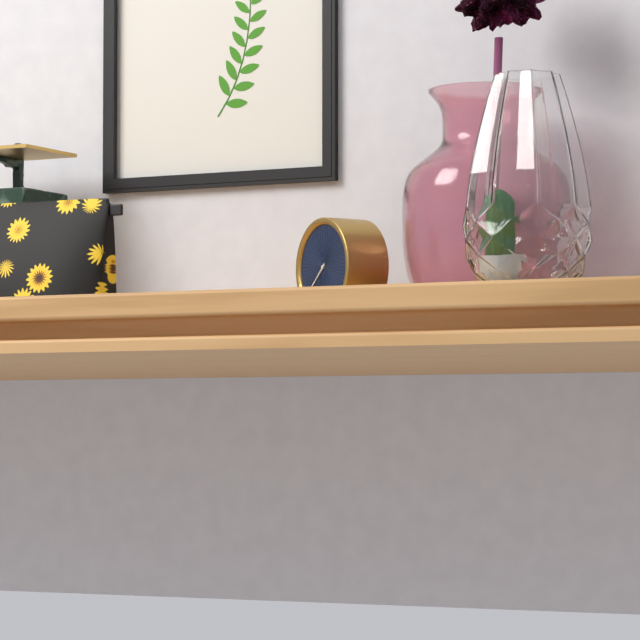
7.38
